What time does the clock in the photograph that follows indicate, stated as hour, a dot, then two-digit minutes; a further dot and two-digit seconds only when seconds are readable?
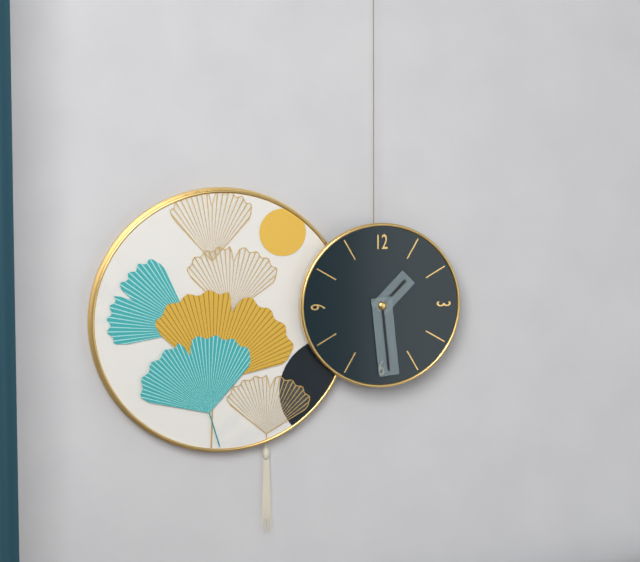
1.29
